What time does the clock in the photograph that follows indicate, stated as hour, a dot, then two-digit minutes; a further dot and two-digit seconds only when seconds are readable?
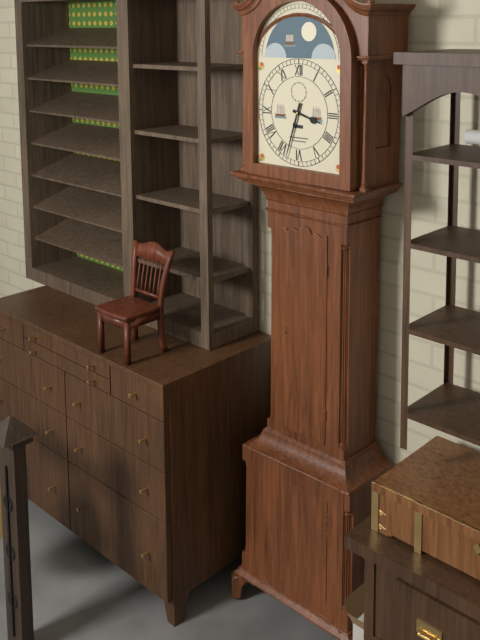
3.33
